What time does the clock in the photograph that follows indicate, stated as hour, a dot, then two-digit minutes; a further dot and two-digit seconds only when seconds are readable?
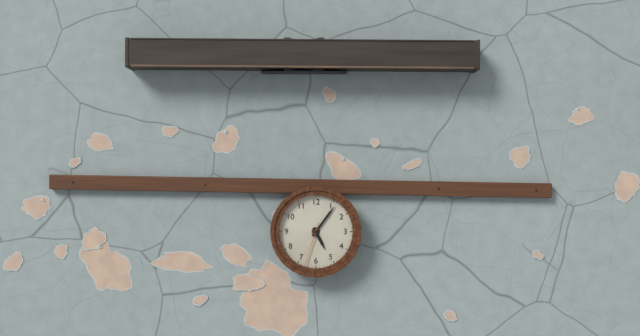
5.06
